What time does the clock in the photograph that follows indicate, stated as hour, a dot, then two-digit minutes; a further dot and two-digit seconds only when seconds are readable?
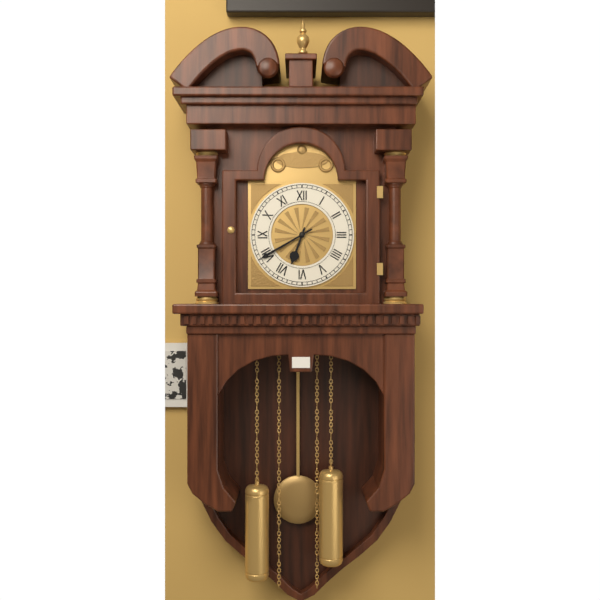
6.40
